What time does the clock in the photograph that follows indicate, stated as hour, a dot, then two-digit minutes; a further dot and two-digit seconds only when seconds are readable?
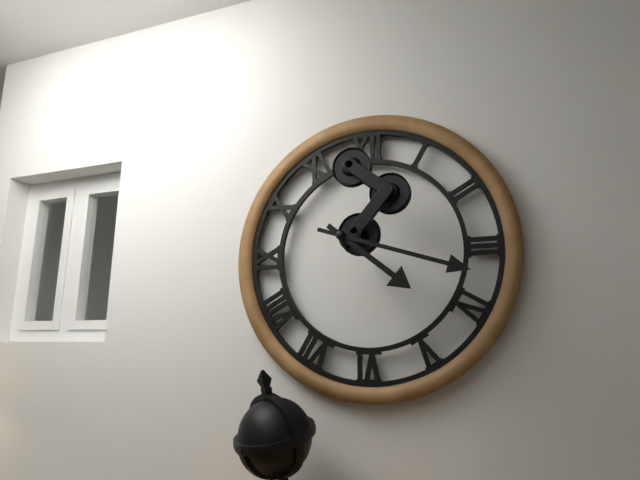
4.18
